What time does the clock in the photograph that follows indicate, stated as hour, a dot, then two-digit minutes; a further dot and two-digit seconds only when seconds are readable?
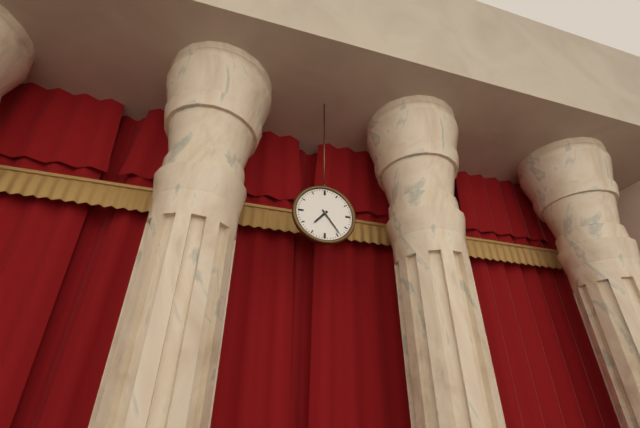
7.24
